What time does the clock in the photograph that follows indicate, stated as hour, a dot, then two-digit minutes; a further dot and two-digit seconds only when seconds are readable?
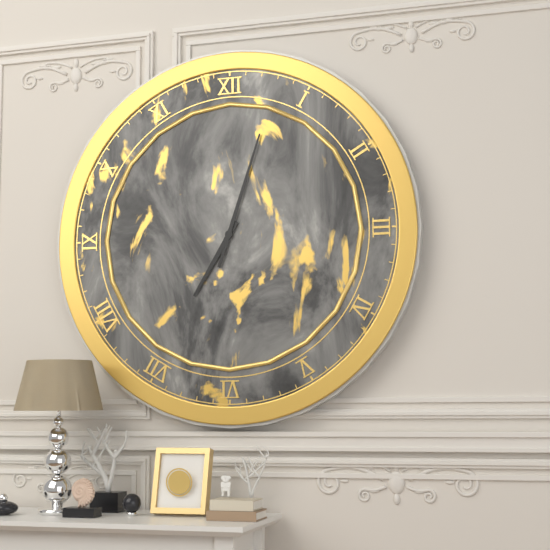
7.03
